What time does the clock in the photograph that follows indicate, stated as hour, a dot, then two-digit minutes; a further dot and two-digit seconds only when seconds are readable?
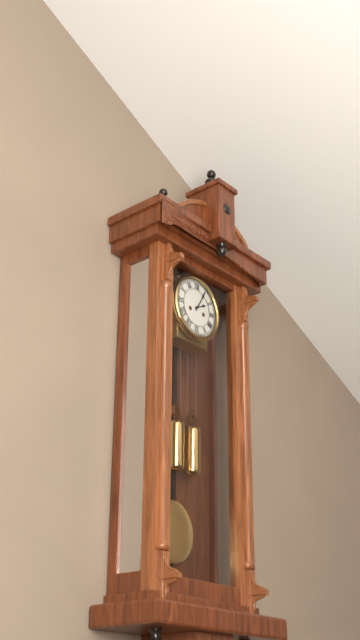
2.05
